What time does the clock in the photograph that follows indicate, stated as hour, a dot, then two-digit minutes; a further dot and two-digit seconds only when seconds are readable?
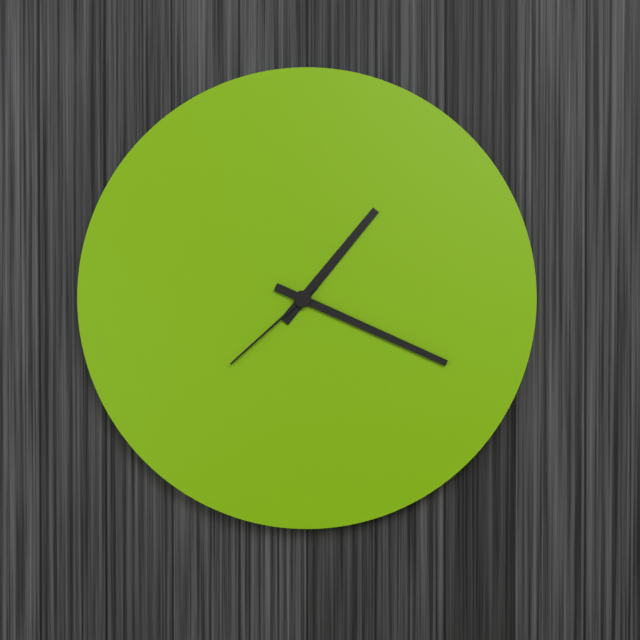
1.19.38
